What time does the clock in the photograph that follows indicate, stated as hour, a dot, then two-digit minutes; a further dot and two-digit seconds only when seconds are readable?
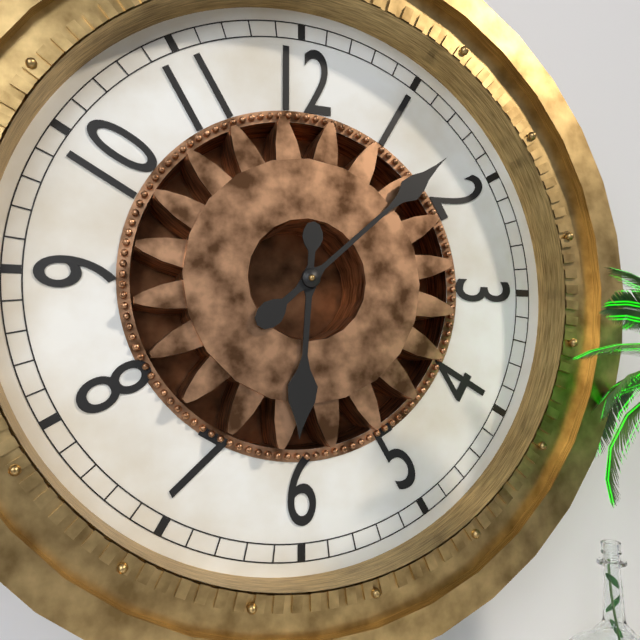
6.08
